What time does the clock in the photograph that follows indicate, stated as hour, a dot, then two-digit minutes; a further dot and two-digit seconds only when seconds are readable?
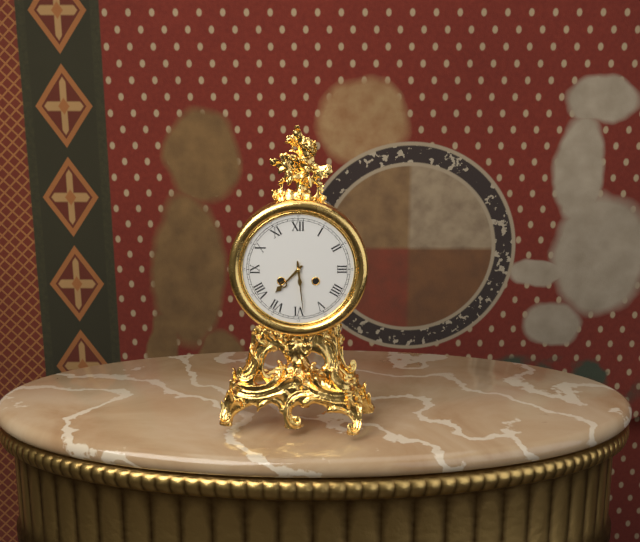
7.29
